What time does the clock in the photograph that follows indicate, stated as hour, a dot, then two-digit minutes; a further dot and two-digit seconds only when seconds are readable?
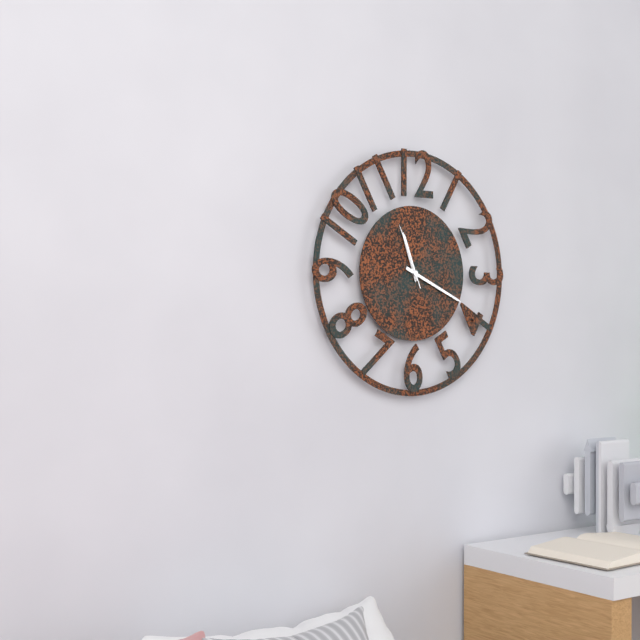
11.19.56
